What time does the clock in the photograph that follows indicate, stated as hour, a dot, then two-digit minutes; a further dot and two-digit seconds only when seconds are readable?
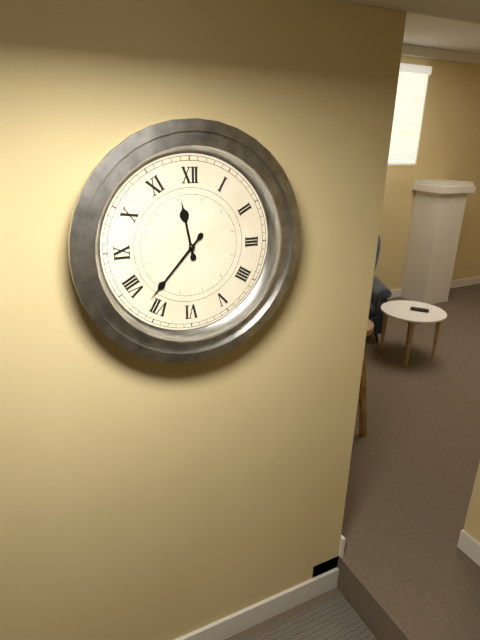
11.37
